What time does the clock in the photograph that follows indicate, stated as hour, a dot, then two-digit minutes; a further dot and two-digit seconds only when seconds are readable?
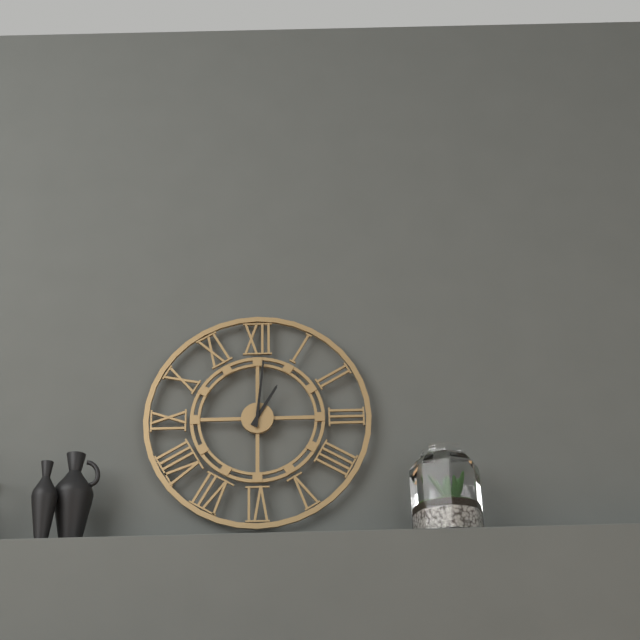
1.01
